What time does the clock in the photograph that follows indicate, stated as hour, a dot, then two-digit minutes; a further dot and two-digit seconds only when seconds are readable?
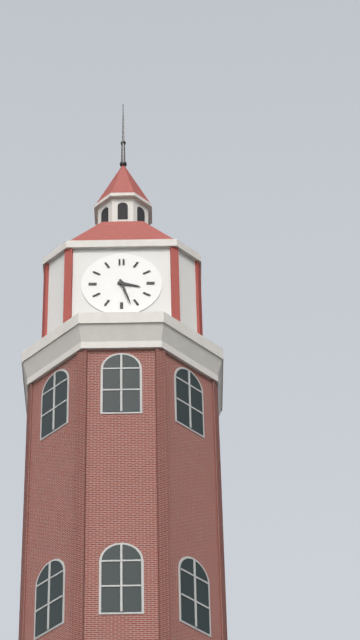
3.27
